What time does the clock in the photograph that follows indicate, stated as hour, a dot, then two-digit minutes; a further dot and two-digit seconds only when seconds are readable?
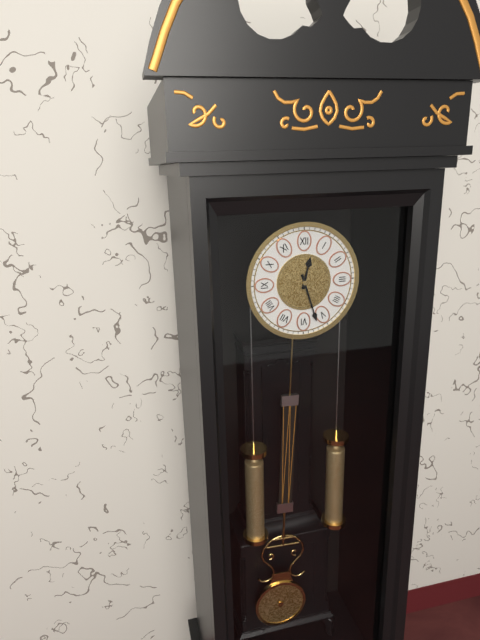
12.27
